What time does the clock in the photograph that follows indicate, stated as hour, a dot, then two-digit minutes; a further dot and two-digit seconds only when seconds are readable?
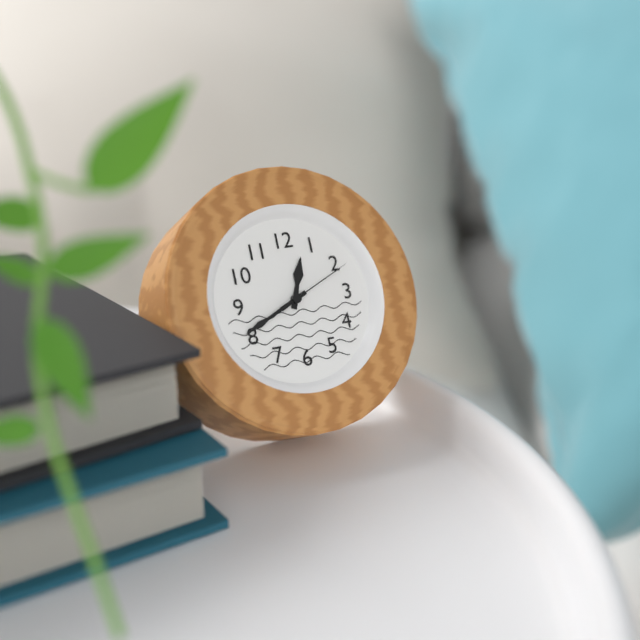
12.41.11
